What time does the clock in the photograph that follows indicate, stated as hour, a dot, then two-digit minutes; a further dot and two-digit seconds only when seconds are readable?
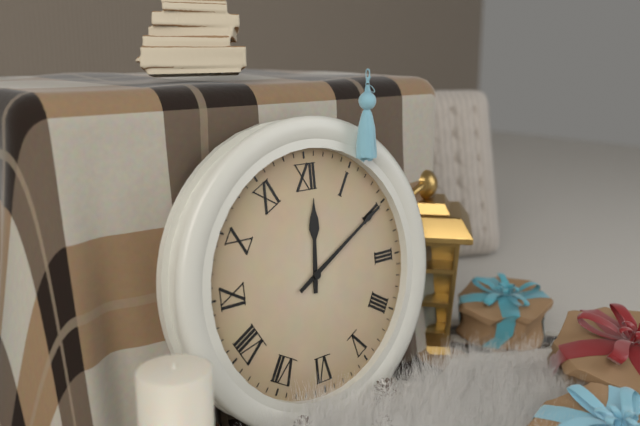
12.10
